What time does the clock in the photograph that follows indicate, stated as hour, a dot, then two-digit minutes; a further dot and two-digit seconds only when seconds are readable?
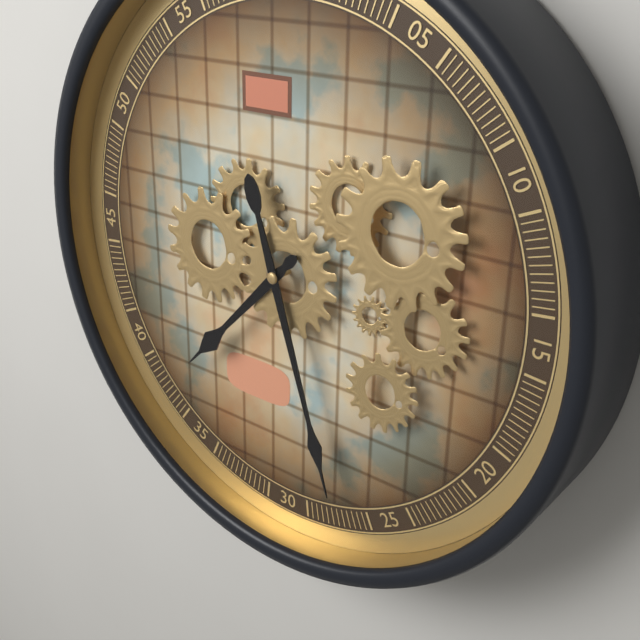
7.27
